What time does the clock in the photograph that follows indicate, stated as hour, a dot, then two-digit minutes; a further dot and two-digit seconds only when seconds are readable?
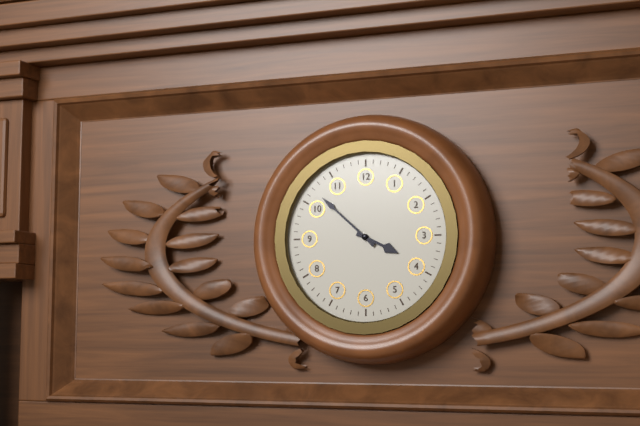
3.52
